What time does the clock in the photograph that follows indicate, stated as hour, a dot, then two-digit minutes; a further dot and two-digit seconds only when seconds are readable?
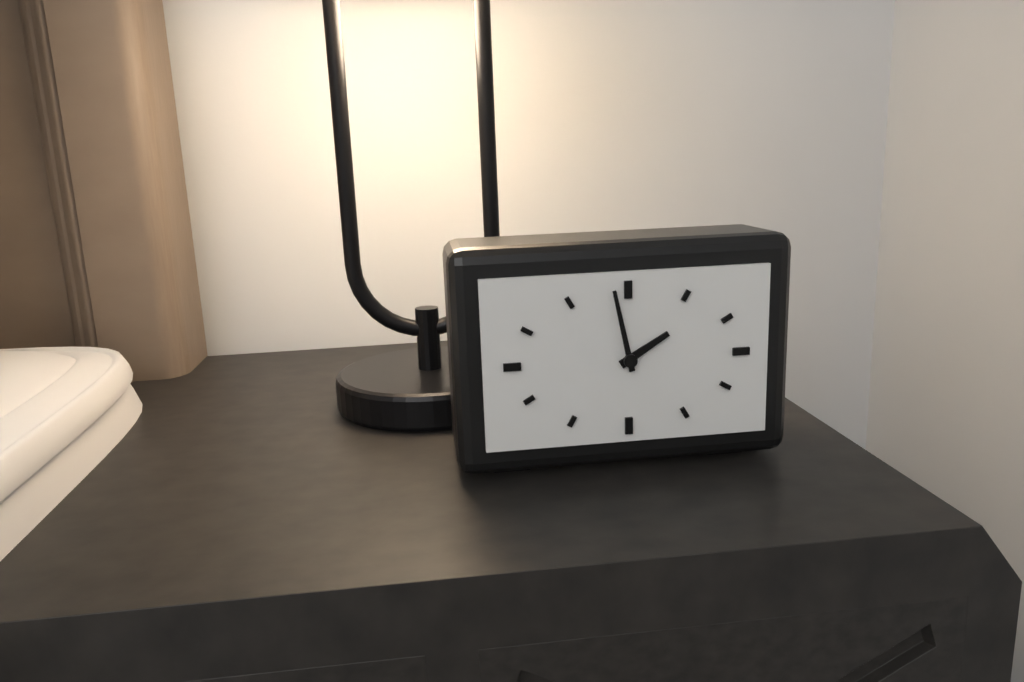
1.58
